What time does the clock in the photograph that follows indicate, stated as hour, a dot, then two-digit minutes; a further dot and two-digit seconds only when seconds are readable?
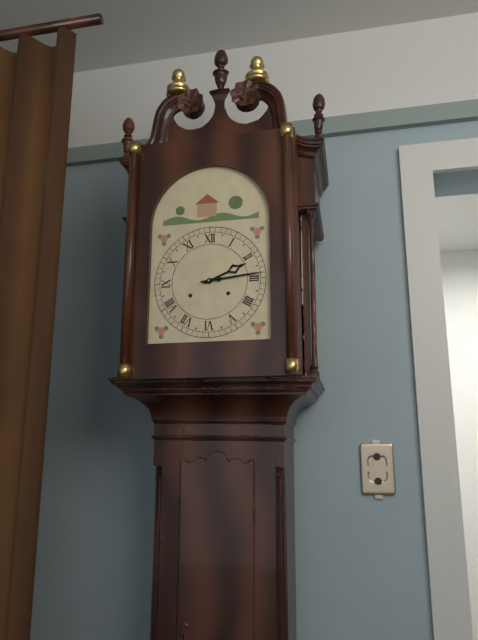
2.14
